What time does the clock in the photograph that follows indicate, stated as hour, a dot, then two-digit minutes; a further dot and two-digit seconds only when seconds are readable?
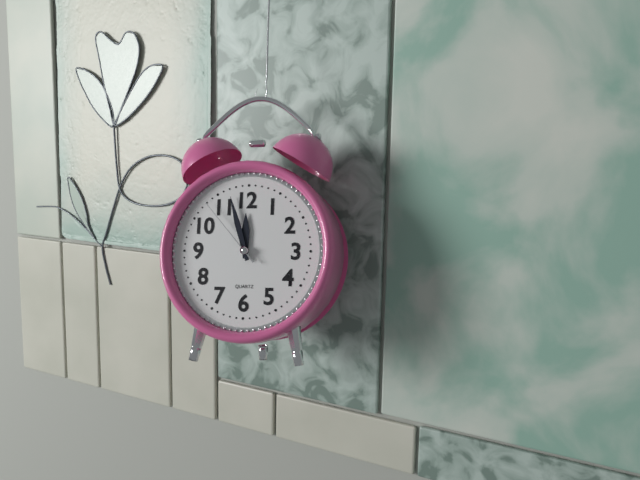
11.57.53
